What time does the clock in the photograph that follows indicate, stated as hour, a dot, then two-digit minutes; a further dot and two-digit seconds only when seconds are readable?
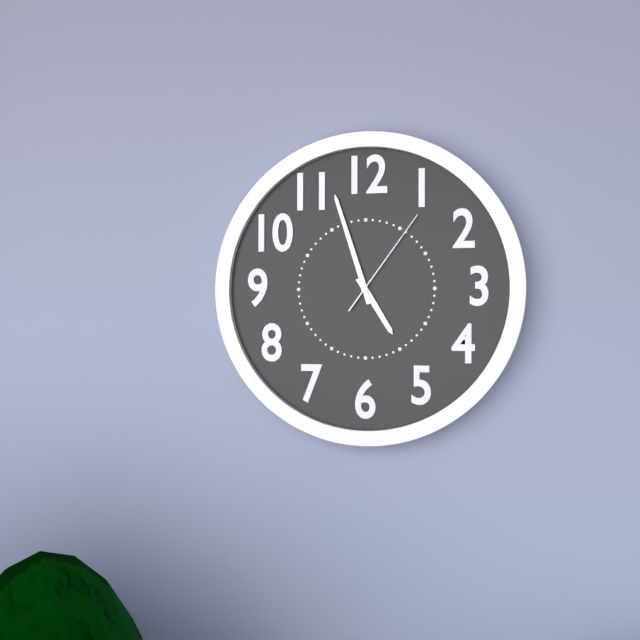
4.57.06
